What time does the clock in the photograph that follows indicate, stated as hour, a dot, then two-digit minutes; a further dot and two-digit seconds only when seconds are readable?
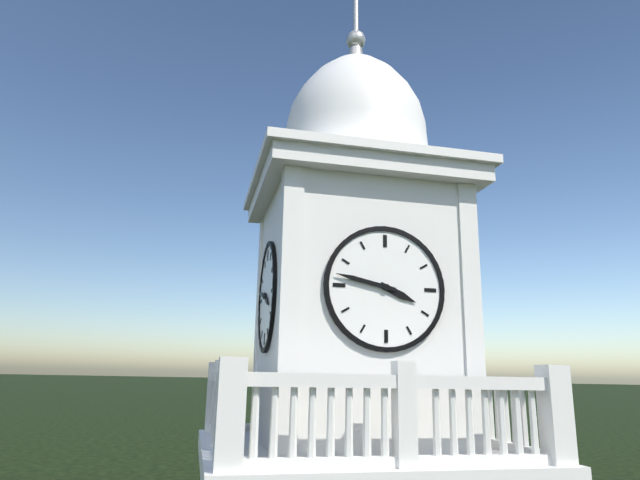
3.47
